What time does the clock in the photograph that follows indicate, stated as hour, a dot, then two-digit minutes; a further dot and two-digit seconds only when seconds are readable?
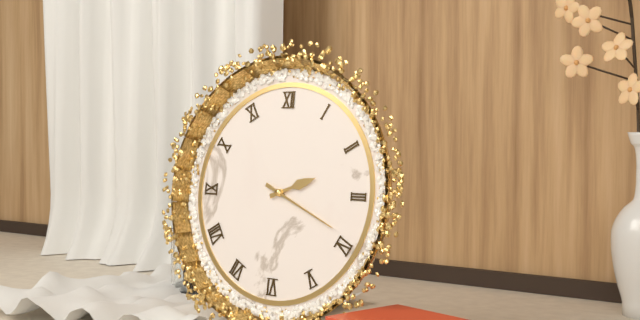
2.19
